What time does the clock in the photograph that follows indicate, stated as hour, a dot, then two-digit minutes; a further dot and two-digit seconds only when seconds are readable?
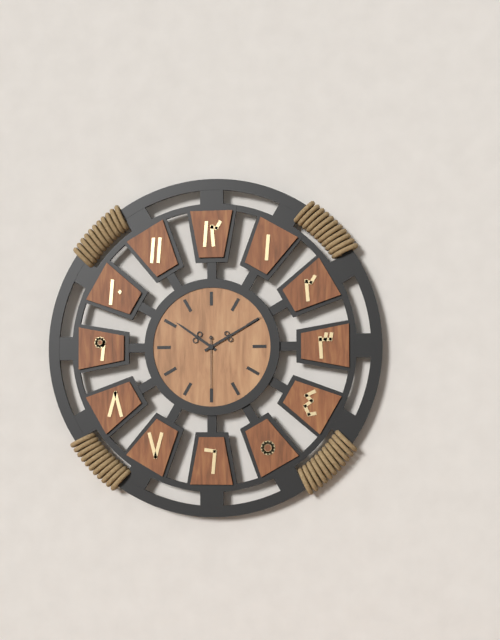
10.10.30
